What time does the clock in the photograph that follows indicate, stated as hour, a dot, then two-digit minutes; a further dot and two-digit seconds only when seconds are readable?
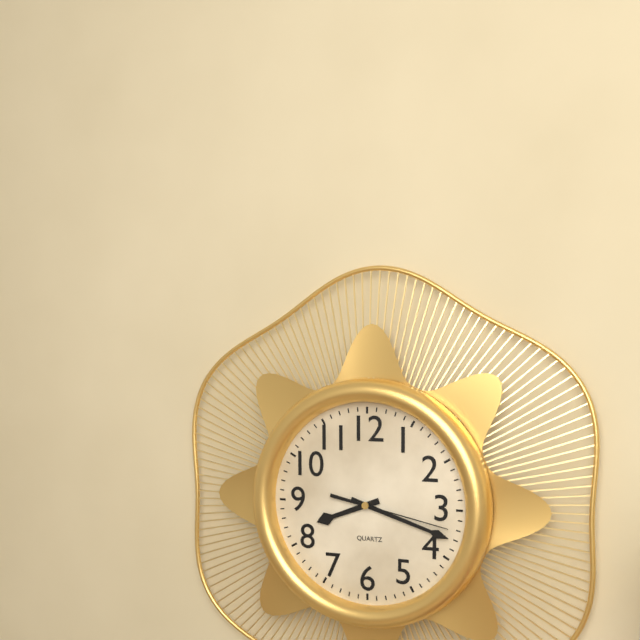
8.18.17
